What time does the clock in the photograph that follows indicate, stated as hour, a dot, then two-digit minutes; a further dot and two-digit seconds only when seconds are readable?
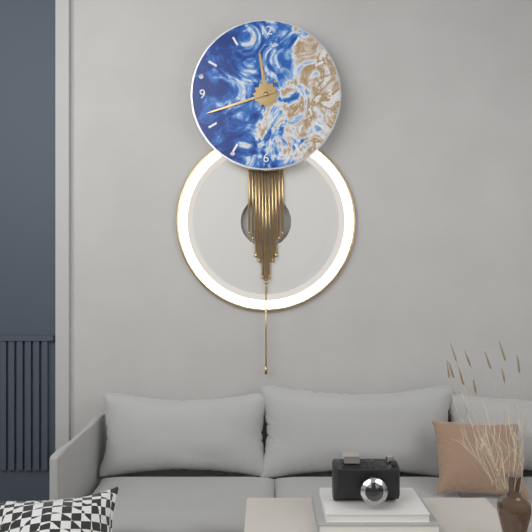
11.42
